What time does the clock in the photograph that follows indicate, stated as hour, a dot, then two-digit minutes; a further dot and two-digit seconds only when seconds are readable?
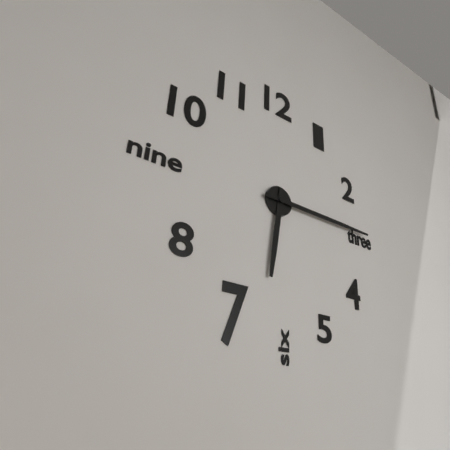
6.15
